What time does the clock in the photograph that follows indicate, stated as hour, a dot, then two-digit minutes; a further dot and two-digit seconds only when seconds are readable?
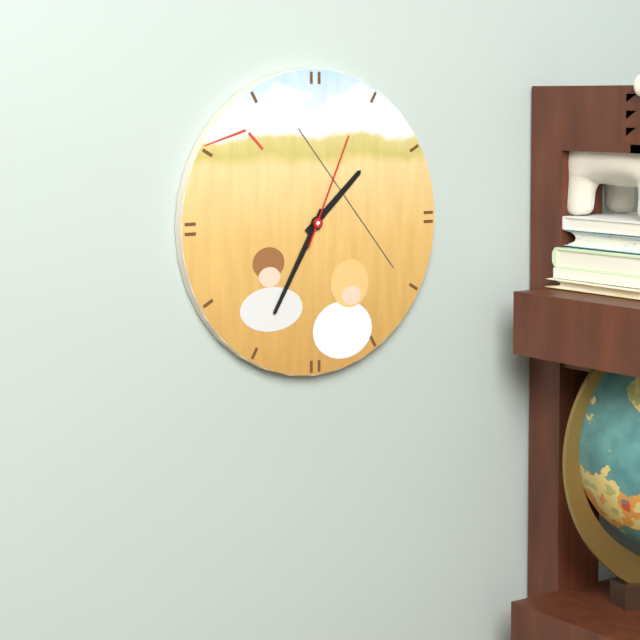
1.35.04
